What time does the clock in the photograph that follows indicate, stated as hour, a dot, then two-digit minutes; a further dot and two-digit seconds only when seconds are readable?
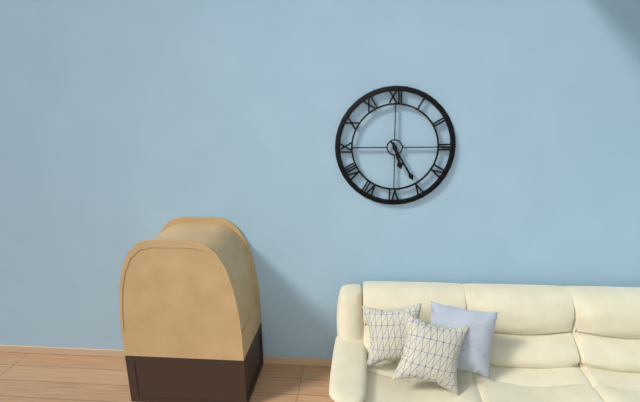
5.25
